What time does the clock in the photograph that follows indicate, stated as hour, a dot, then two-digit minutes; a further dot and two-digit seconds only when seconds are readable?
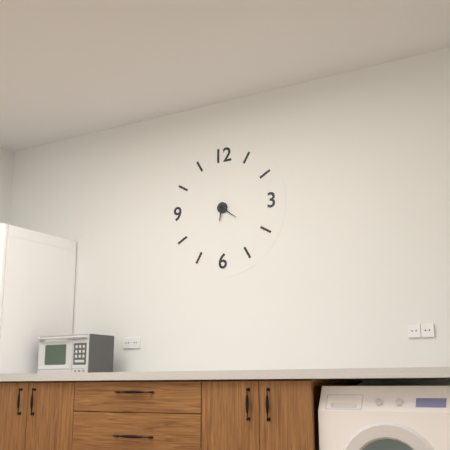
6.21
